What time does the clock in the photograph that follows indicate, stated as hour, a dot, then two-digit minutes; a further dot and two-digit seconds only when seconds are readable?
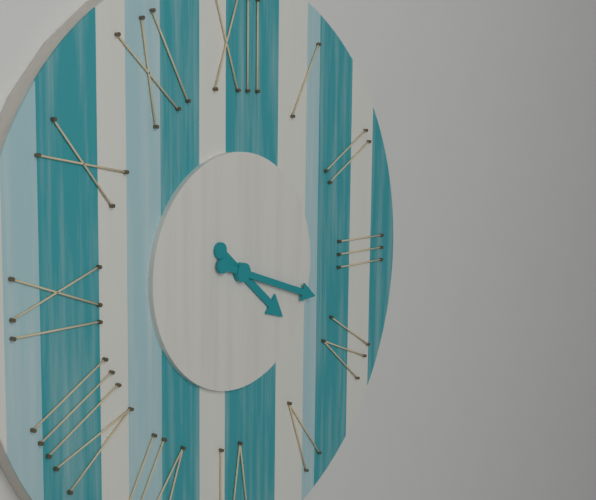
4.18
